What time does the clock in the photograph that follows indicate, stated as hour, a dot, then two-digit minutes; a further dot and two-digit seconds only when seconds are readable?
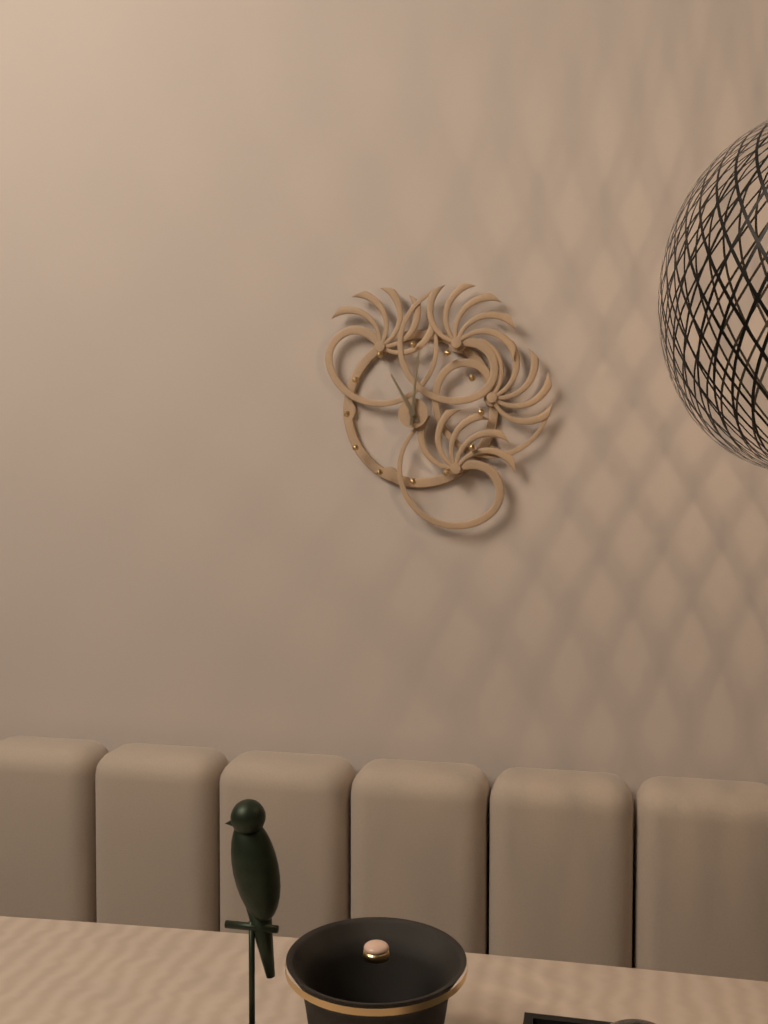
11.01
